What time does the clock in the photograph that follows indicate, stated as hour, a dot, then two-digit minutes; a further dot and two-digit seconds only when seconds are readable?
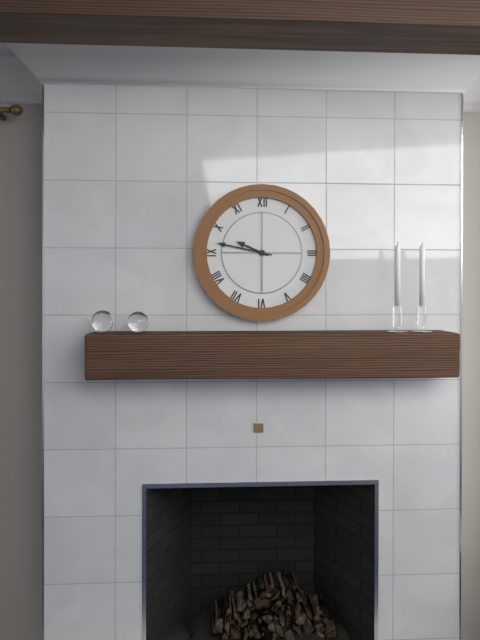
9.47
